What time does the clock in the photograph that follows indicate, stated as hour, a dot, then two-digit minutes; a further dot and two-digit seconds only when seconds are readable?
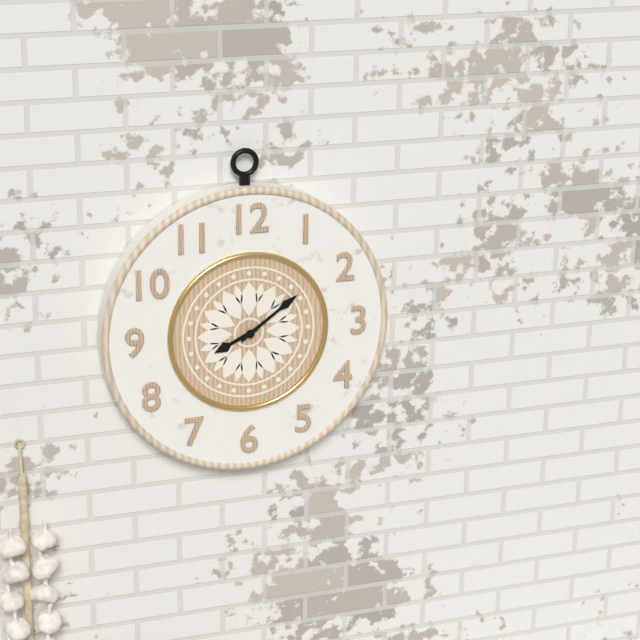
8.09
